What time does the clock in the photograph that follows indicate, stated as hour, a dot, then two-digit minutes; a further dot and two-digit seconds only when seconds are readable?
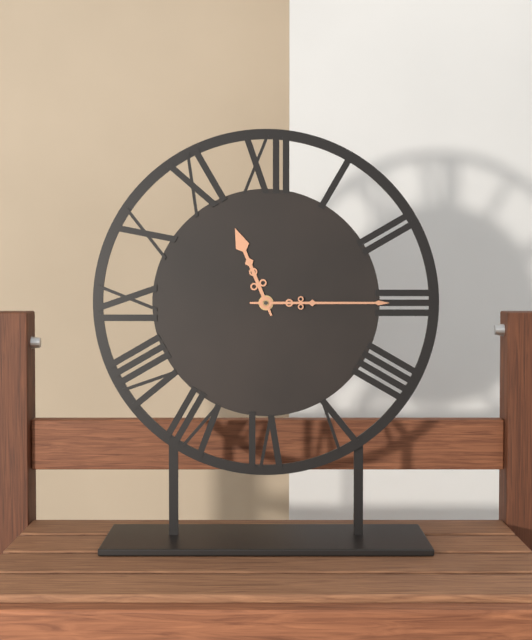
11.15
